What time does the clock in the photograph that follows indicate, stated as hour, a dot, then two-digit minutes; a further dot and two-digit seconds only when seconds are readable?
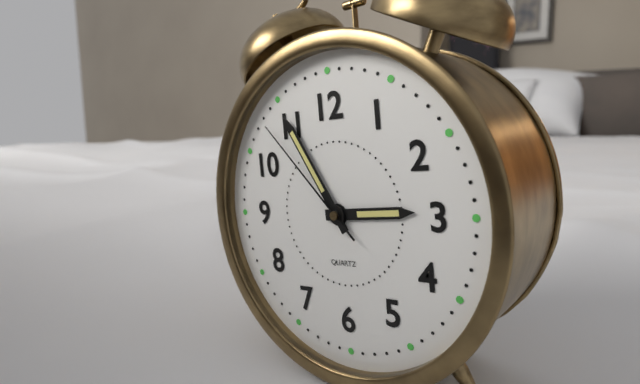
2.55.53
